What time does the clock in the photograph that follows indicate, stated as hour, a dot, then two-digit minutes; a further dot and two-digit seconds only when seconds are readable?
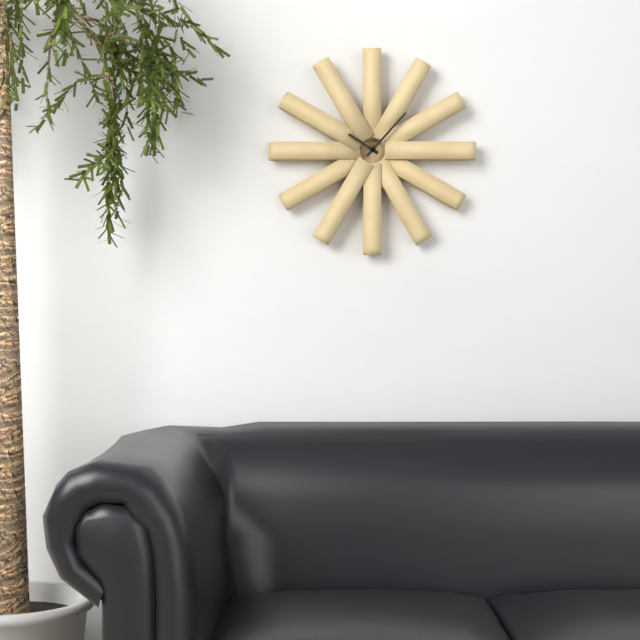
10.07
